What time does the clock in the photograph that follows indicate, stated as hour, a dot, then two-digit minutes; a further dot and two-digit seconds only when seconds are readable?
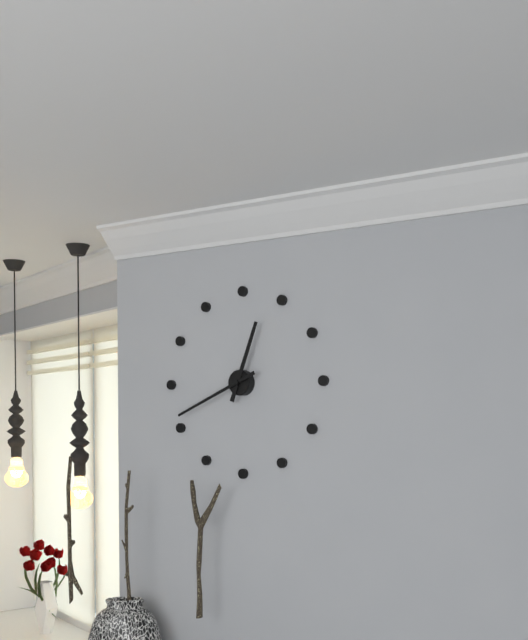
12.41
